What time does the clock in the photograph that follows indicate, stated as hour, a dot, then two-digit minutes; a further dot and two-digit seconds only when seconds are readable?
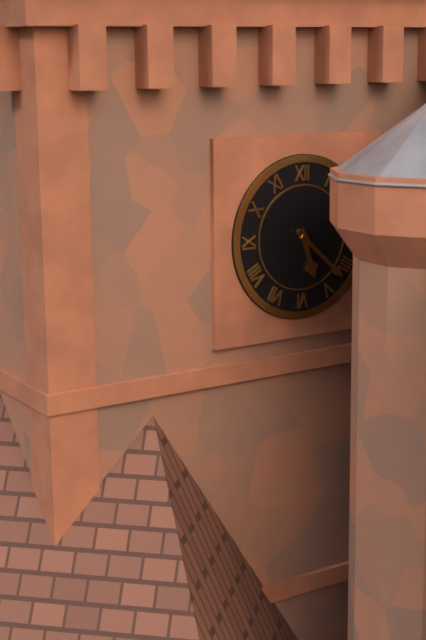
5.22
